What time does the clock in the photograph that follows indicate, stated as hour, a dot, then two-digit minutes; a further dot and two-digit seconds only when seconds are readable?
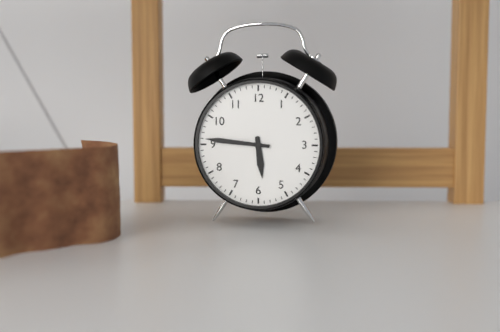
5.46
